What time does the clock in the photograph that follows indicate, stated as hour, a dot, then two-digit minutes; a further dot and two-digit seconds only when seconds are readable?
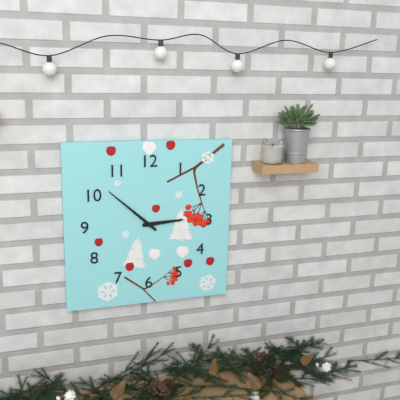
2.52
